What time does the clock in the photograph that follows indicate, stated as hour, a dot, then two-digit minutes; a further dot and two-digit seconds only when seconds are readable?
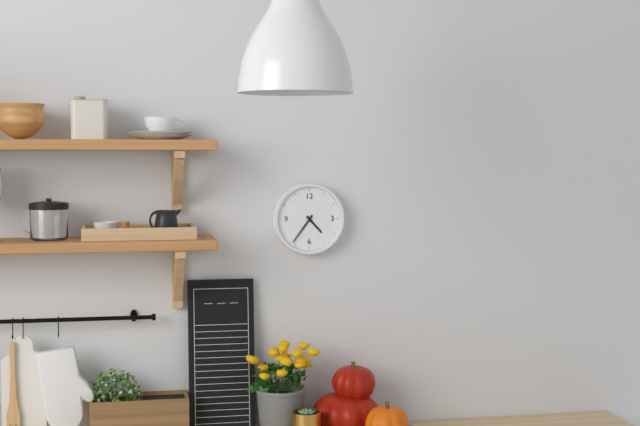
4.36
